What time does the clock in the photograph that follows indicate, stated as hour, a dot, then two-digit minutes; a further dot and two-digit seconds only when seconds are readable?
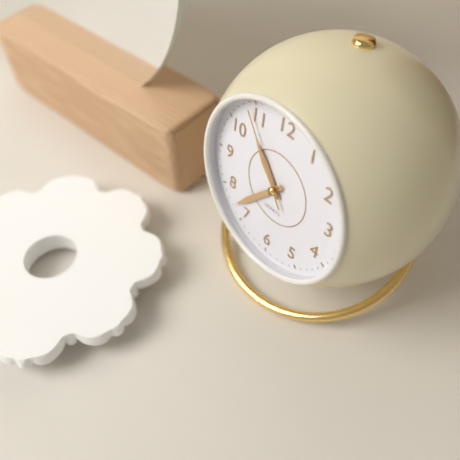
10.37.54
